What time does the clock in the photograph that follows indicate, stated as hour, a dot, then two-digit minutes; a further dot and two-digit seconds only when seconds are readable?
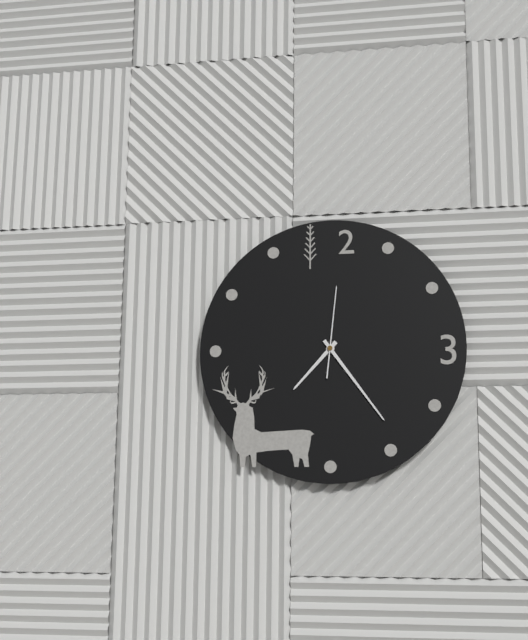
7.24.01
